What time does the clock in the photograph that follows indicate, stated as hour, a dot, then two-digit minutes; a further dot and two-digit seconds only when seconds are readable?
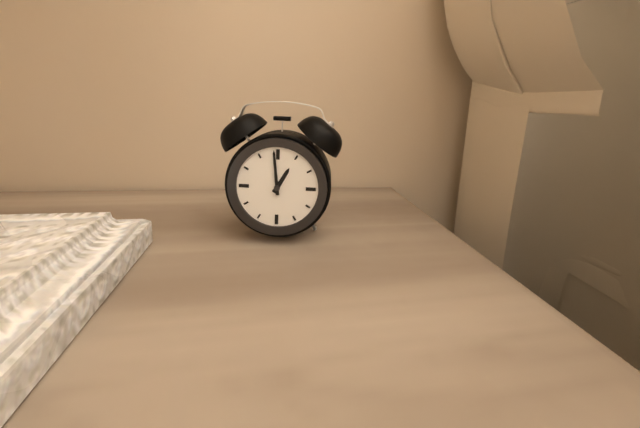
12.59
